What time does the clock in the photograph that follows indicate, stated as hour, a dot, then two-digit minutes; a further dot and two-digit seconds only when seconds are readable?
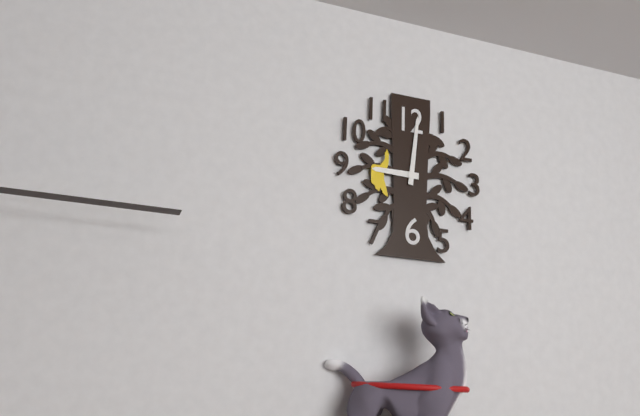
9.01
